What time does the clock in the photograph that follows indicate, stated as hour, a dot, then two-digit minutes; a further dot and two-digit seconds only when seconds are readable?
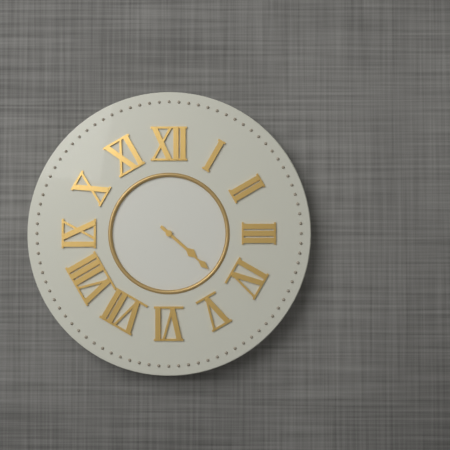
4.22
